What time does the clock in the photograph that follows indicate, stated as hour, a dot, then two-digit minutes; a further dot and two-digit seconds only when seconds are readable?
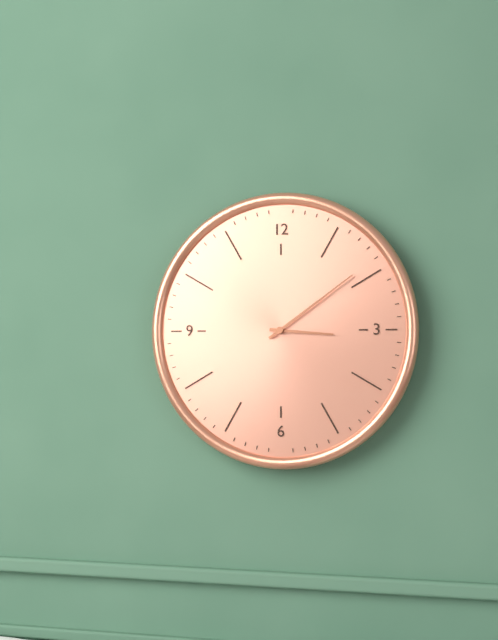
3.09
